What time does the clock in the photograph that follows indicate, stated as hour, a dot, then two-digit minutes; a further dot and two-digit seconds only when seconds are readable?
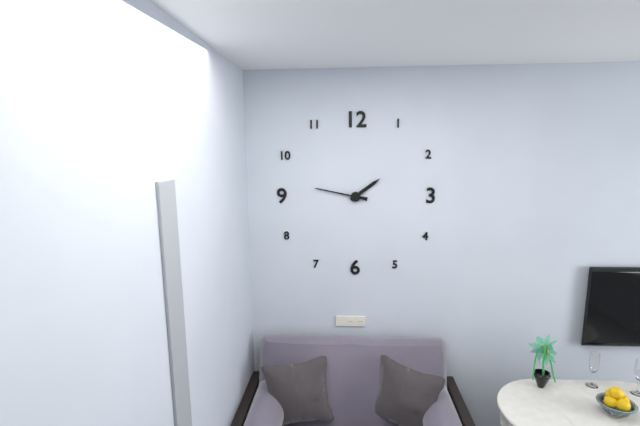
1.47
